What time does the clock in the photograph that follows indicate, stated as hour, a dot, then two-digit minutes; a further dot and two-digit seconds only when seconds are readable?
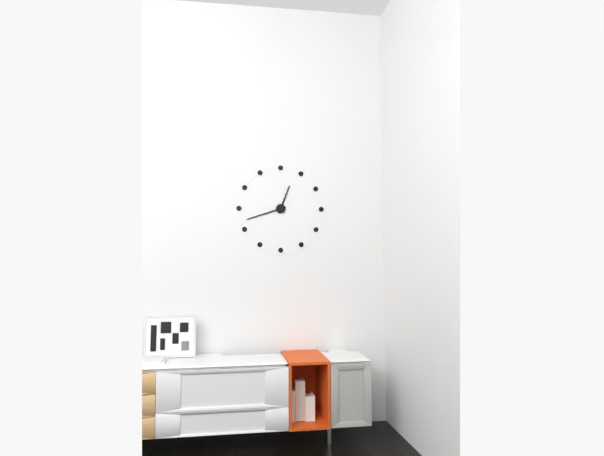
12.42
